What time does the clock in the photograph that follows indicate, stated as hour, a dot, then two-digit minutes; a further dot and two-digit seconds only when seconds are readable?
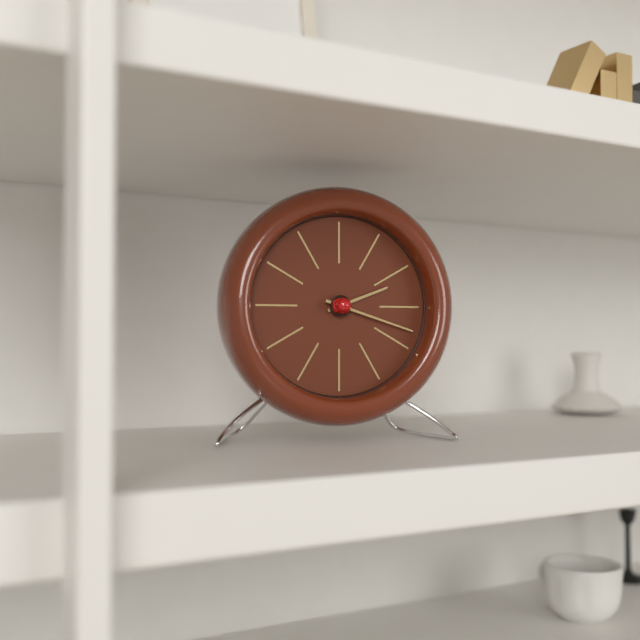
2.18
